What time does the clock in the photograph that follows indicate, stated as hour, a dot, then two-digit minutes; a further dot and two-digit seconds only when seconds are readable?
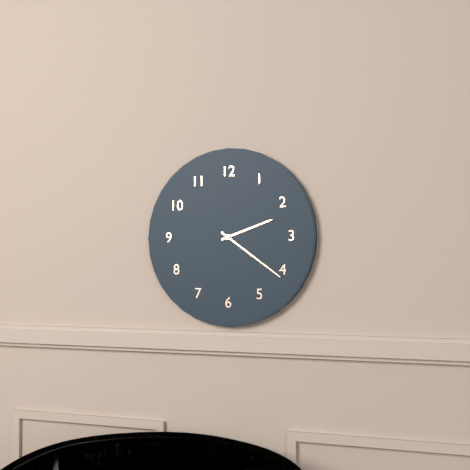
2.21
